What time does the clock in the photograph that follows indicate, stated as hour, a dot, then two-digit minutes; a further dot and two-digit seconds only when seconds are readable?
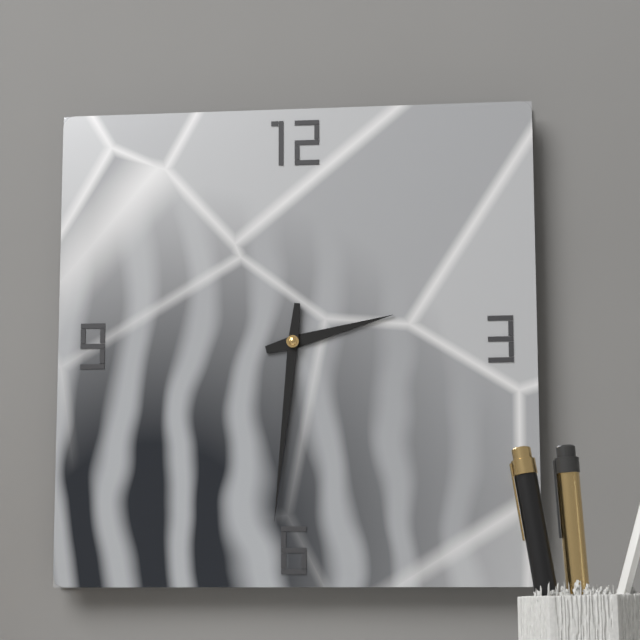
2.31
